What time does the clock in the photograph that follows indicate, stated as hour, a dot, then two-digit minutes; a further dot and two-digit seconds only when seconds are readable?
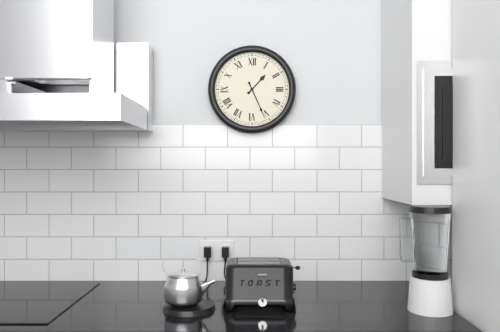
1.26
